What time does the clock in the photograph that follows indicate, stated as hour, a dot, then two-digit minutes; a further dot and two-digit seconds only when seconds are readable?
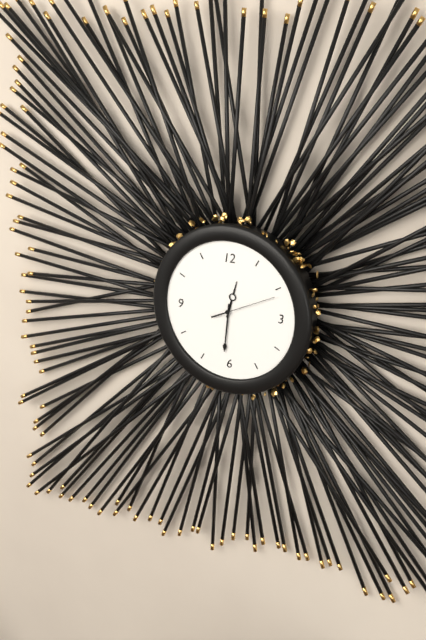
12.31.11
